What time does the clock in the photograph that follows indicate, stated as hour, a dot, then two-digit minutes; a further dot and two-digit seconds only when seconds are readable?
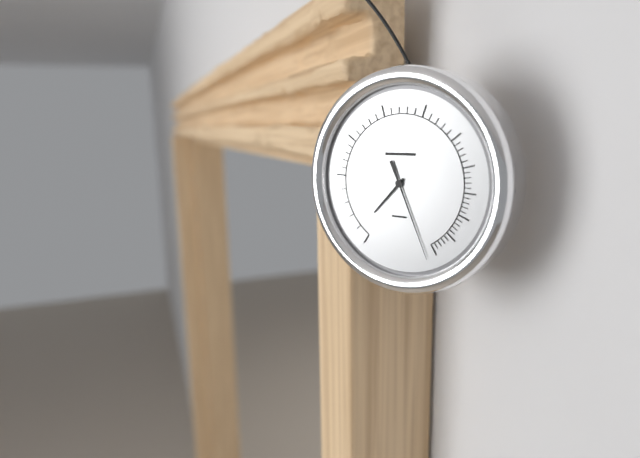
7.26
